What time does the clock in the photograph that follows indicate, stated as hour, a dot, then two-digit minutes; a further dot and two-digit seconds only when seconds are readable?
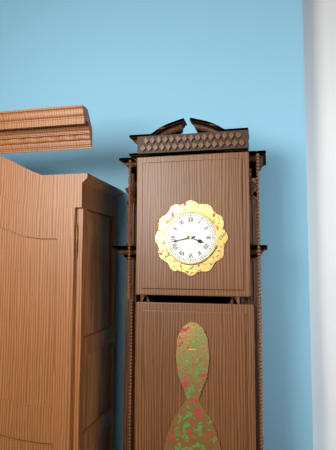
3.43
